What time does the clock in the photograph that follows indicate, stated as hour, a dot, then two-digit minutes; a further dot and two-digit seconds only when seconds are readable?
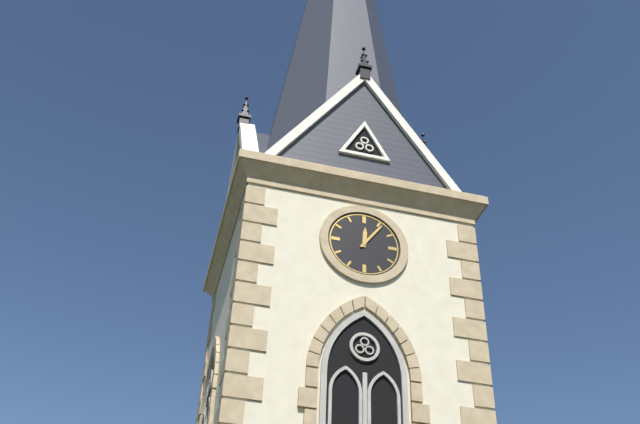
12.06
